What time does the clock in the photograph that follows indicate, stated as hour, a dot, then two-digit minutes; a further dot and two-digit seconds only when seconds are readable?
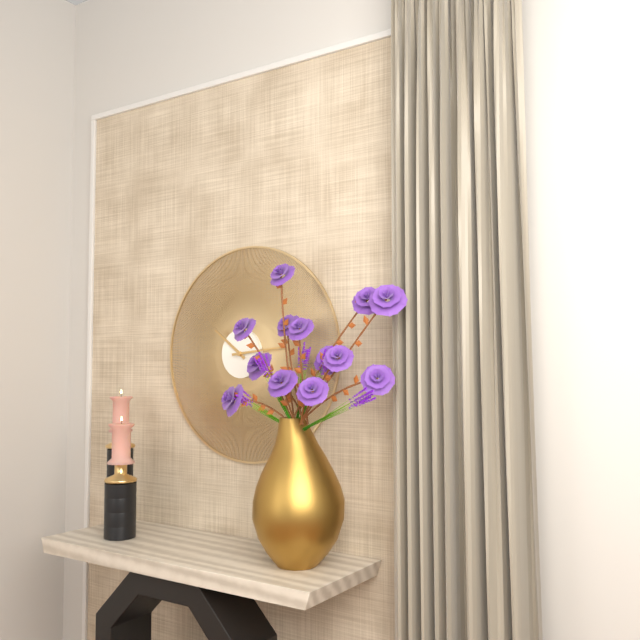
10.14
